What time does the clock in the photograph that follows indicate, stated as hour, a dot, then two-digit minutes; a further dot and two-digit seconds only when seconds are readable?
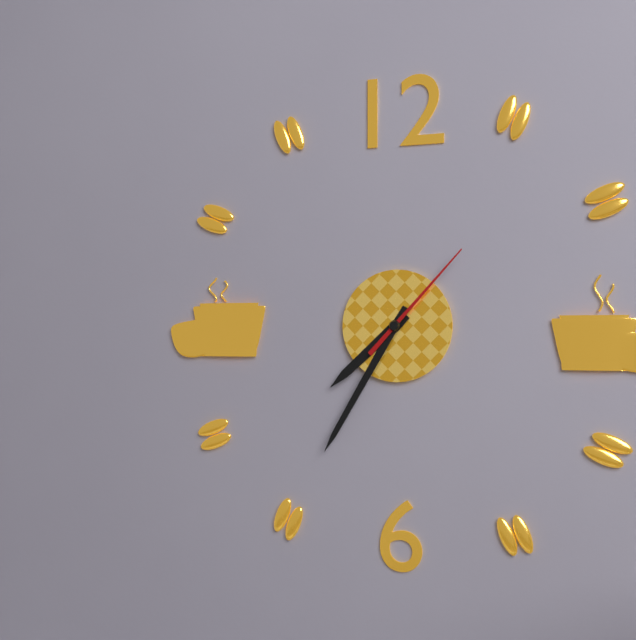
7.35.07
